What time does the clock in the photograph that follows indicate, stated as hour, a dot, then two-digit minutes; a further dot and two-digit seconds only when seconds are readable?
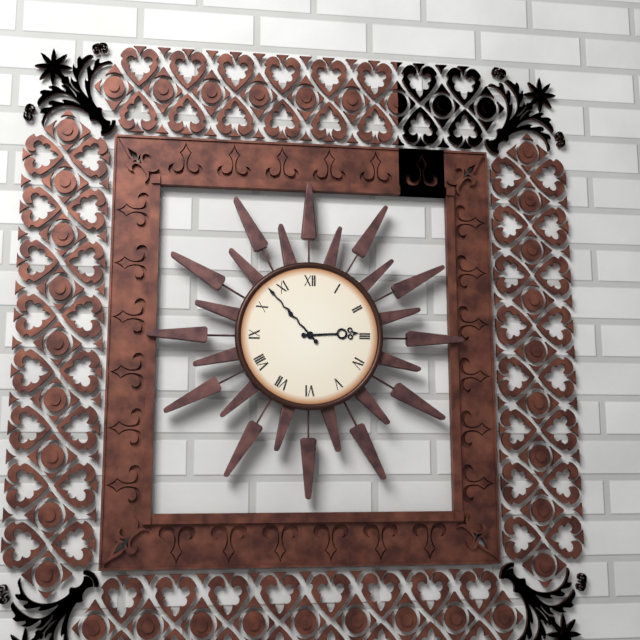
2.53
